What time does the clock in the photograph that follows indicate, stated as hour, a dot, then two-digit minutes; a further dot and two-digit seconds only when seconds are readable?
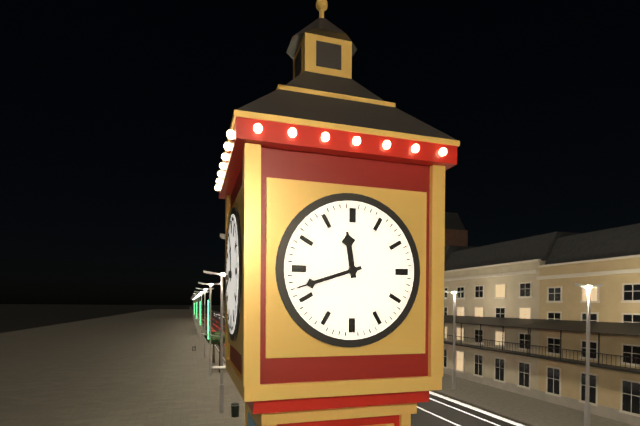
11.42
